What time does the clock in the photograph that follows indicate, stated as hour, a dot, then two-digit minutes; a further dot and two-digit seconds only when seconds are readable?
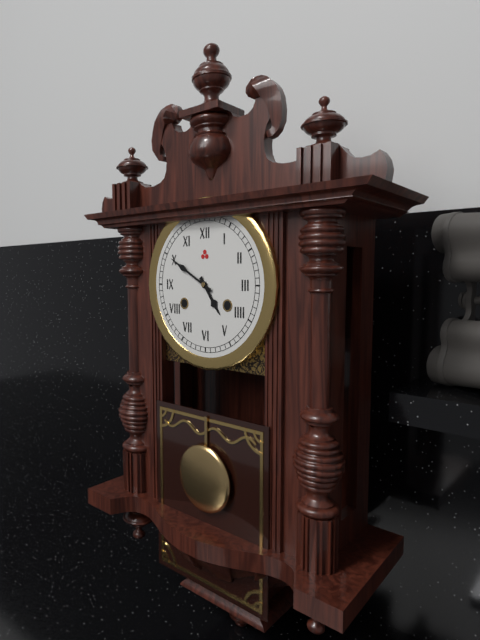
4.50
